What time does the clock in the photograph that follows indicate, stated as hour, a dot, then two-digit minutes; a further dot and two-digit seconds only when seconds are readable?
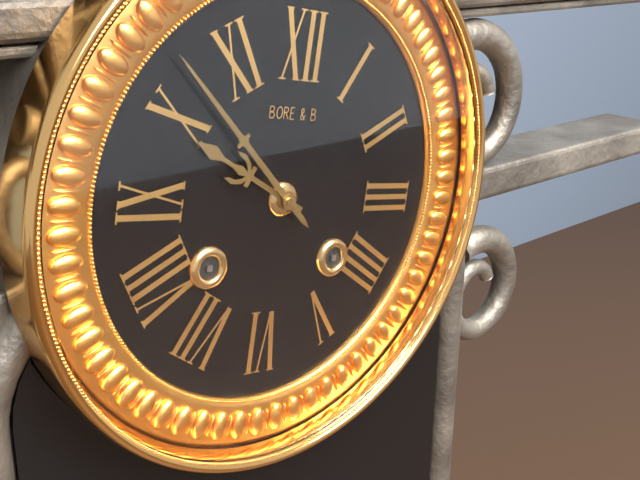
9.52
